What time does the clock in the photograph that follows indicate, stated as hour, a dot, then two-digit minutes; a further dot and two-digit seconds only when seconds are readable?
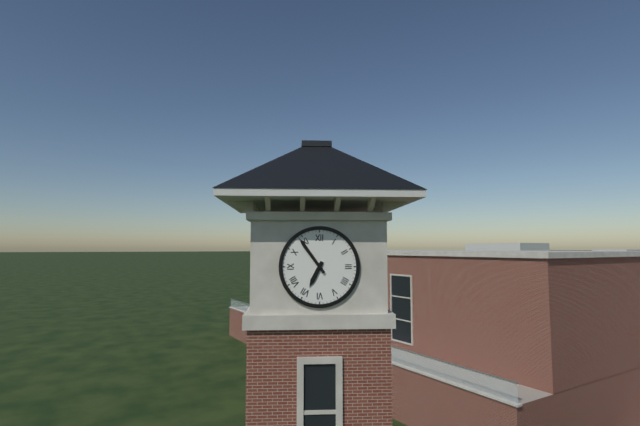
6.54
